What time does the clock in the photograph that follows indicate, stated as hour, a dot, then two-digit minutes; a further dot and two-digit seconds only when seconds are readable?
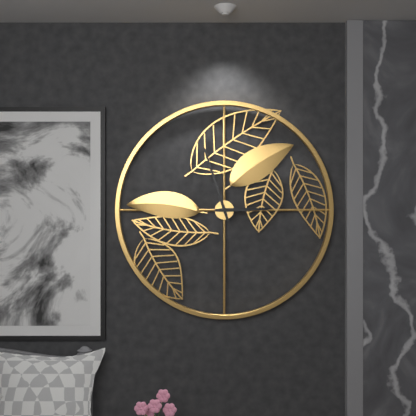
2.57
